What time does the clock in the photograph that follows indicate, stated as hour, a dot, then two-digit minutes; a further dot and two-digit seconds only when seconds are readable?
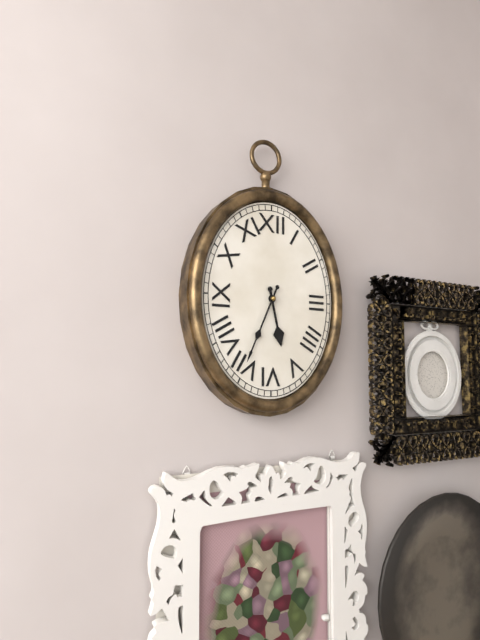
5.34
